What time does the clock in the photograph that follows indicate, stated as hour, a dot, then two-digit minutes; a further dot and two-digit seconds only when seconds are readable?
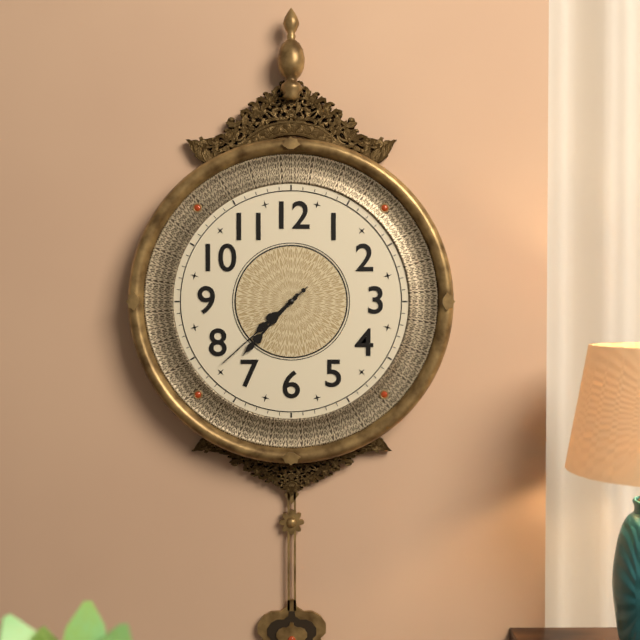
7.37.38
